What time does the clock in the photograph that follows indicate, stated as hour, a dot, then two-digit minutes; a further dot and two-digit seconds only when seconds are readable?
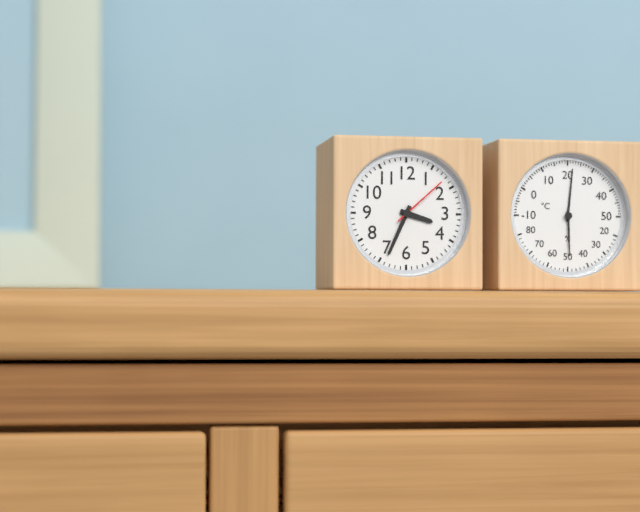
3.34.08
